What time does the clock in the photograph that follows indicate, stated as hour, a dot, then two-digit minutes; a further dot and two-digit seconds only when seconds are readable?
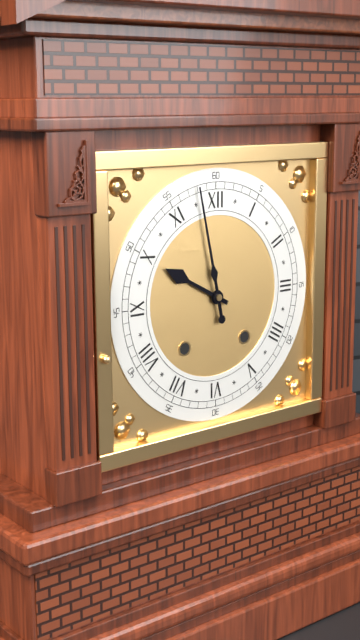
9.58
